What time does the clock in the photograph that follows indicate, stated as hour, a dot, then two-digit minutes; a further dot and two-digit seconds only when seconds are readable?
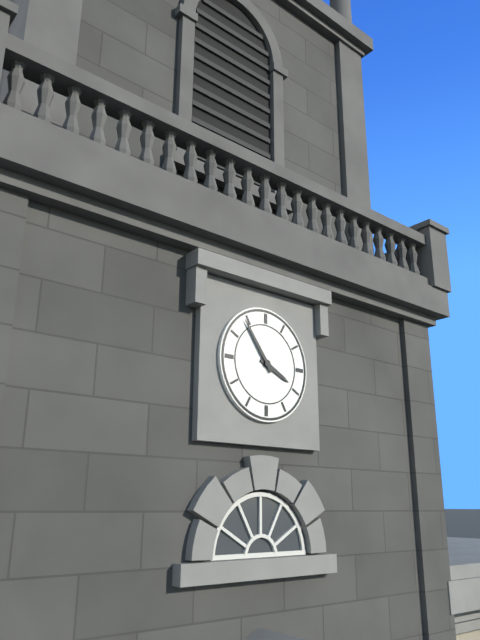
3.54
